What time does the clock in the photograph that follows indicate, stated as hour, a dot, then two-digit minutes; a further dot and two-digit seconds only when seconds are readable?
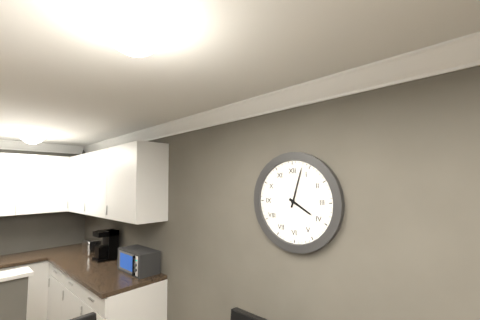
4.03
